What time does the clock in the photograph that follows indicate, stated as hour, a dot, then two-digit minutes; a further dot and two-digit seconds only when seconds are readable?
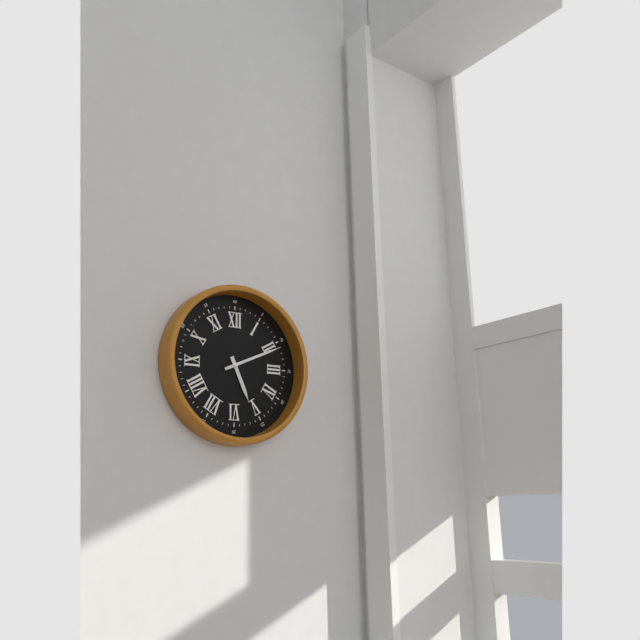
5.11
